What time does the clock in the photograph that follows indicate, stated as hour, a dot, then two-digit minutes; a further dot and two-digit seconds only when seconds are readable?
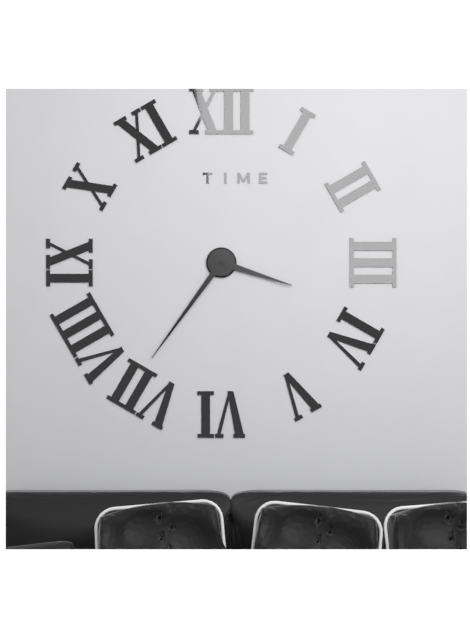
3.36
